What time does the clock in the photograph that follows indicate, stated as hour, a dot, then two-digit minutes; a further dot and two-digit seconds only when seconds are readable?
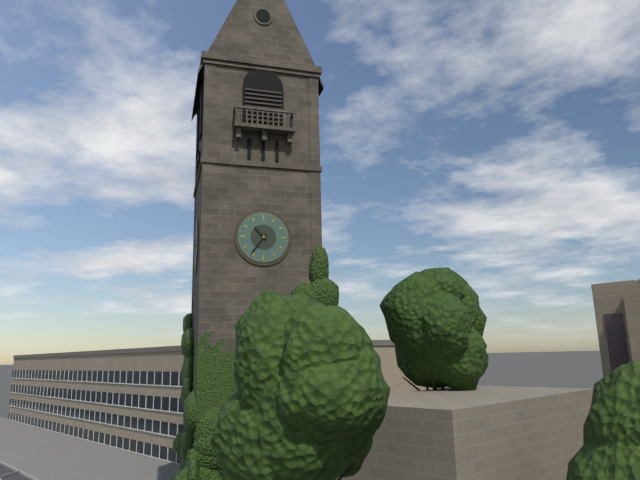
10.36
